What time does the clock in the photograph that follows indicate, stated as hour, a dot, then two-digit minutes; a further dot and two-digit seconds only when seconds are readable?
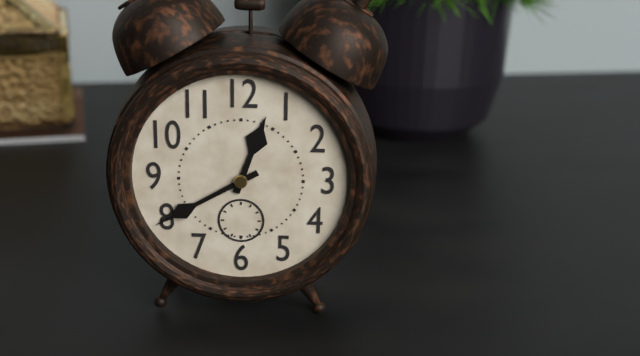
12.40
